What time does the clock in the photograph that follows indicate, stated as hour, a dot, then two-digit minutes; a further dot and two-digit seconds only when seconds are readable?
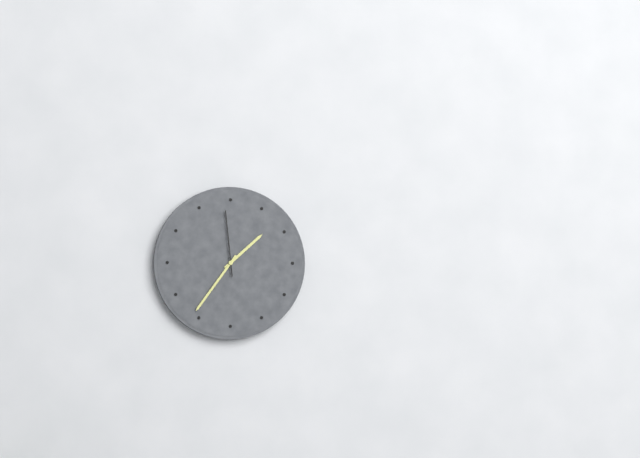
1.36.59
